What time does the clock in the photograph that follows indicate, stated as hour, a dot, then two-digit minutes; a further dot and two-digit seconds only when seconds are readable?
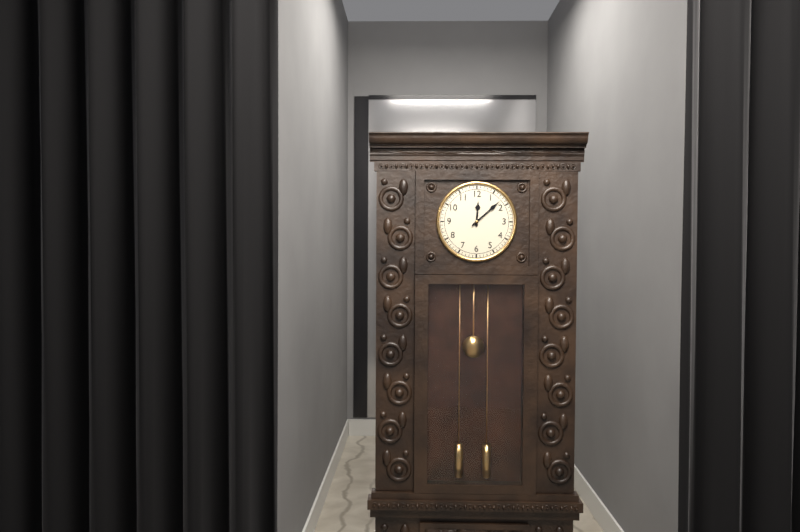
12.08
